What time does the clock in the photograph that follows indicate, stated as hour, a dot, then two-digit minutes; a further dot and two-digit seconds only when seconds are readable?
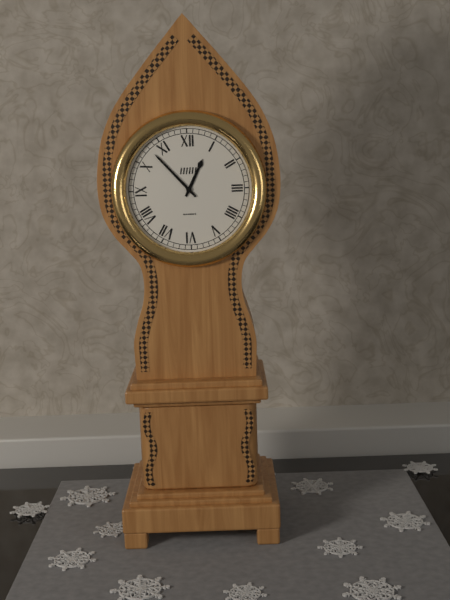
12.53
